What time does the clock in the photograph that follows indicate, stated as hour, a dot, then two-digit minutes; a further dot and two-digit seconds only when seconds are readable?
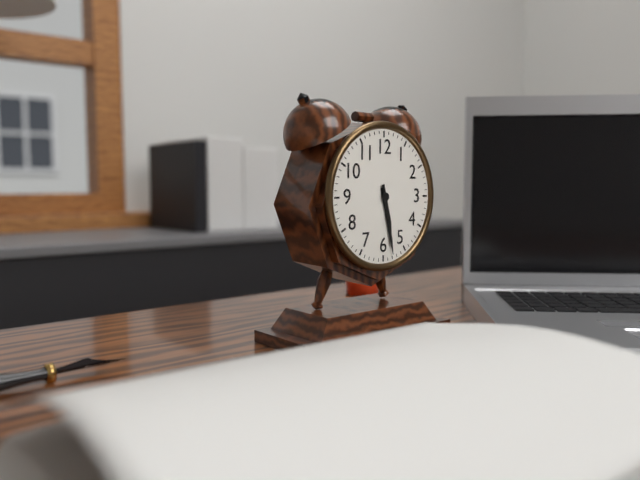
5.28
